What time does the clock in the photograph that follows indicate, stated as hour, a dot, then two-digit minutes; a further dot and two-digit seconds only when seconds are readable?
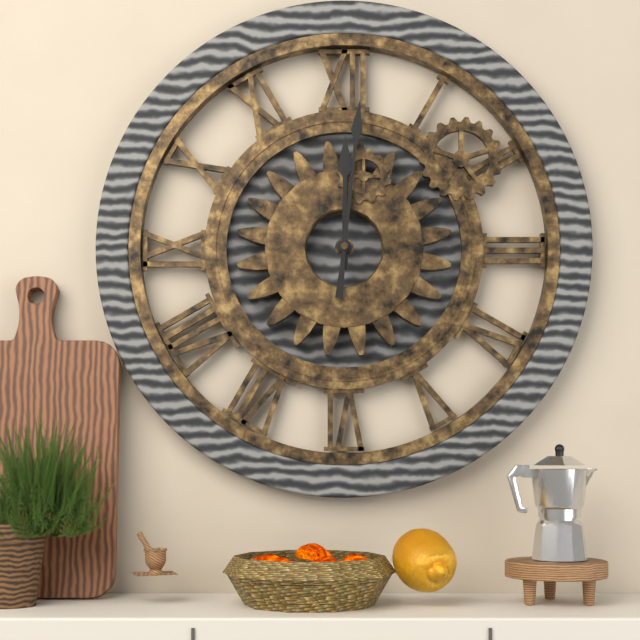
12.01
